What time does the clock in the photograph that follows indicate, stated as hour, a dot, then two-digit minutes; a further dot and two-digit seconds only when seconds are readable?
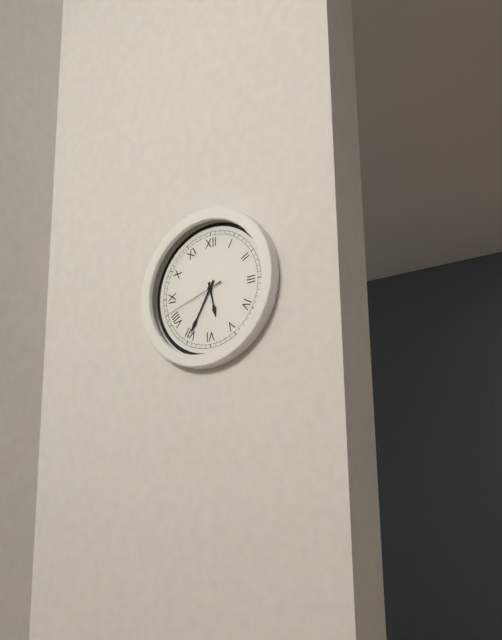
5.35.42
